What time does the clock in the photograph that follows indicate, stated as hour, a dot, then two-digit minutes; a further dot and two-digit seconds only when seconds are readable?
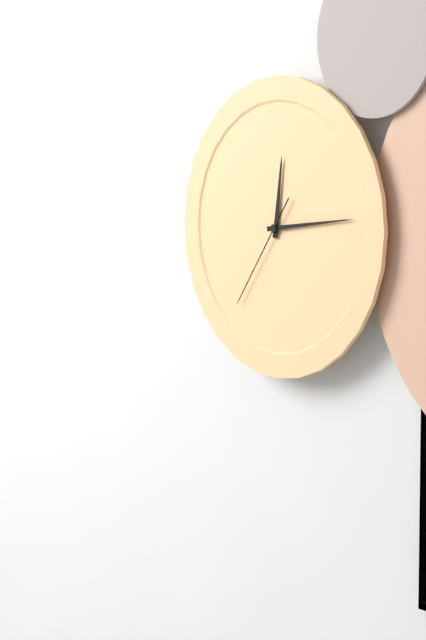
12.14.36
